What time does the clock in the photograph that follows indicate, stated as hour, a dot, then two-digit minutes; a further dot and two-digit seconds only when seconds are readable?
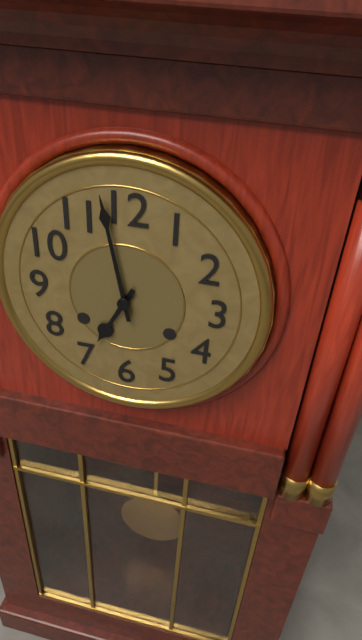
6.58
